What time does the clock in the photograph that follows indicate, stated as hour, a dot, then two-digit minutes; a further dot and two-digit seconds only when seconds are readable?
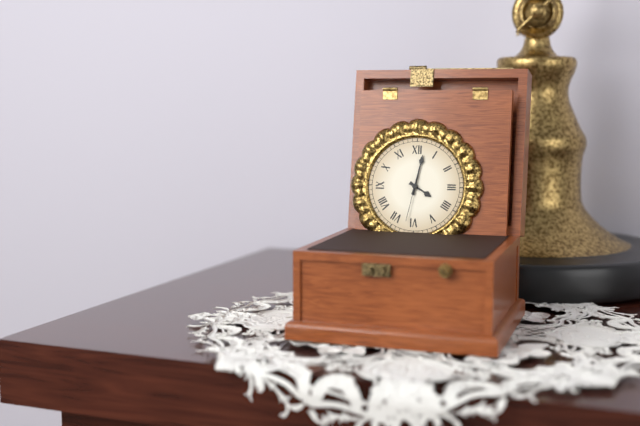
4.02
